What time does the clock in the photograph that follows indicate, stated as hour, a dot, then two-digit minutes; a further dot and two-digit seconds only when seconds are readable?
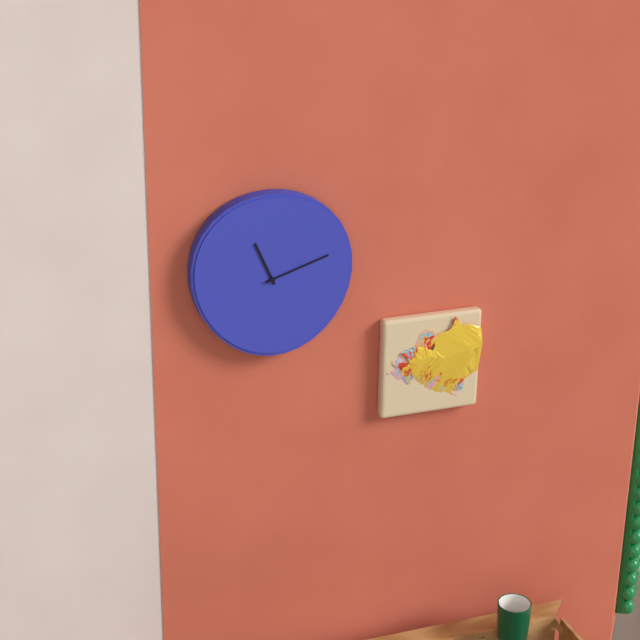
11.12
